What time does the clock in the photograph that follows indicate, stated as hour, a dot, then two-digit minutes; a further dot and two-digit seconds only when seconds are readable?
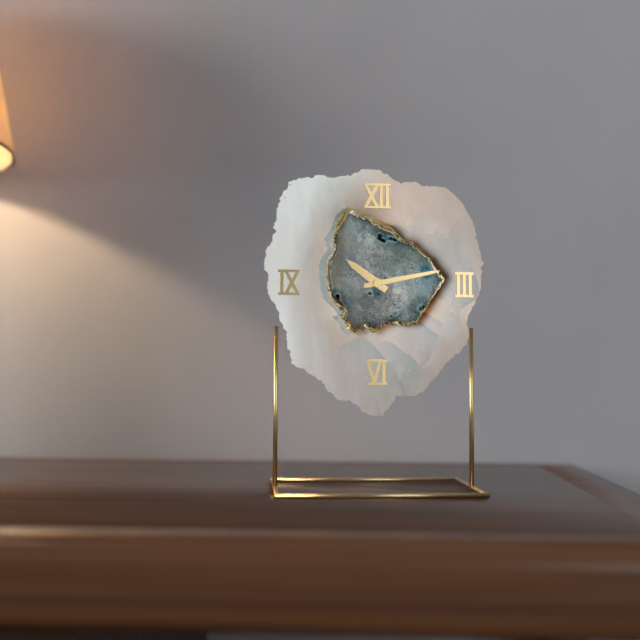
10.13
